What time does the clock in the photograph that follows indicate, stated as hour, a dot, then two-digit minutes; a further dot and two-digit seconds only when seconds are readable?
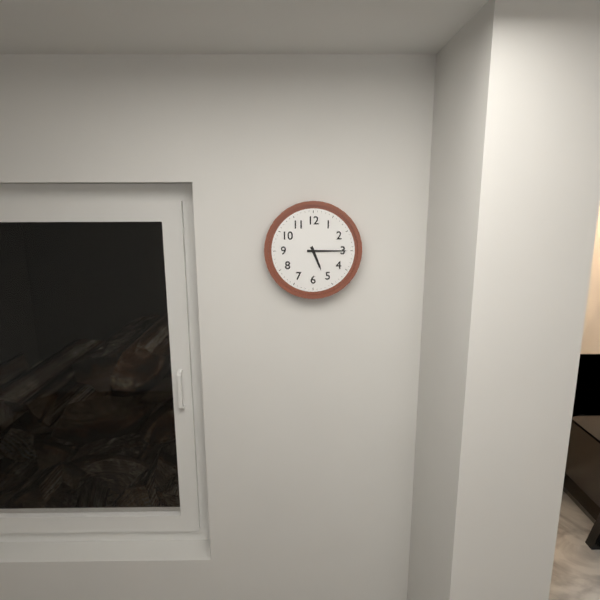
5.15
